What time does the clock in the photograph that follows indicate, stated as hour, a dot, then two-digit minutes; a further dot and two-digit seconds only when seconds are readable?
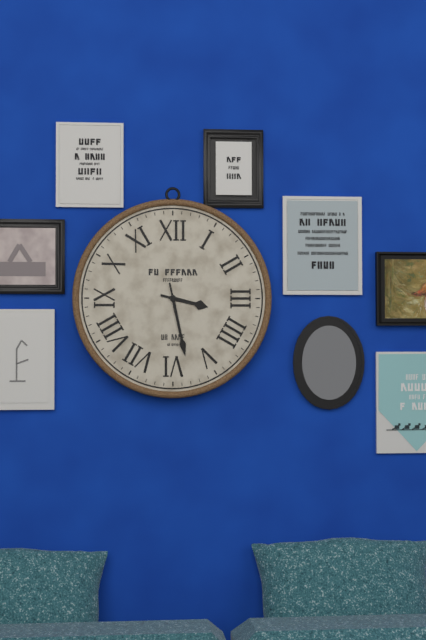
3.28
